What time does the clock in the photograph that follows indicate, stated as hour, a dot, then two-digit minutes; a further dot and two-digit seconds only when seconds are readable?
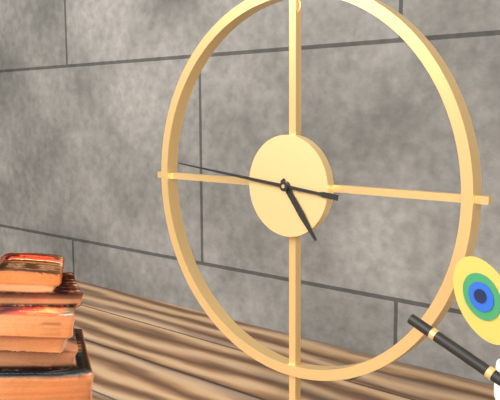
4.46
